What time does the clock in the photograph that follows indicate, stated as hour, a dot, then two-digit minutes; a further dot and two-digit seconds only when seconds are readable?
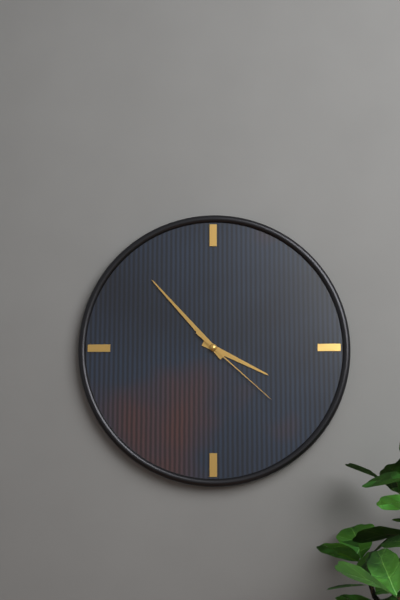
3.53.22
